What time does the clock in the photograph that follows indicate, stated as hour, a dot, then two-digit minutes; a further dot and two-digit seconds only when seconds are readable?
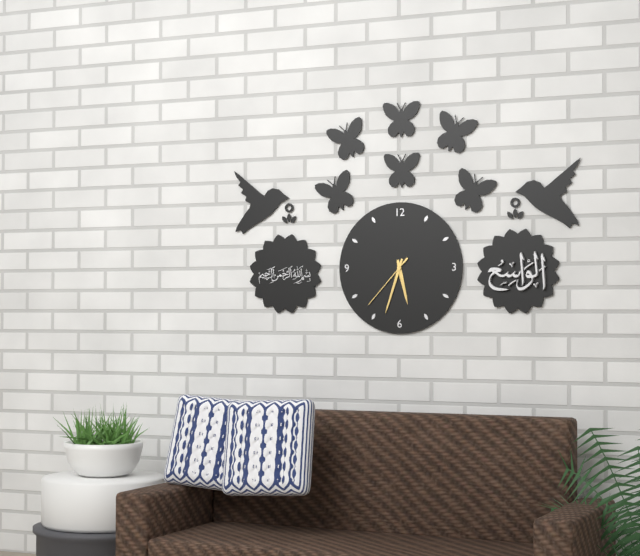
5.33.37
